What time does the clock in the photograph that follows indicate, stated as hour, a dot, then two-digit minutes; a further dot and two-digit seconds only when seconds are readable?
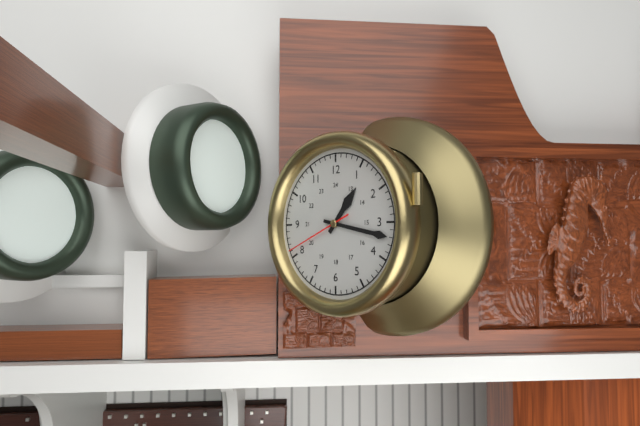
1.17.41
